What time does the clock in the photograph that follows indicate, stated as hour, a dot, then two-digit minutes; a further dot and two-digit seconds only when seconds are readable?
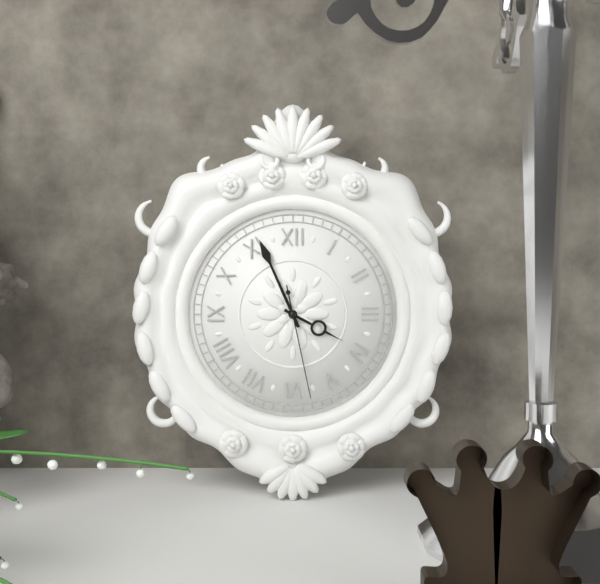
3.56.28
